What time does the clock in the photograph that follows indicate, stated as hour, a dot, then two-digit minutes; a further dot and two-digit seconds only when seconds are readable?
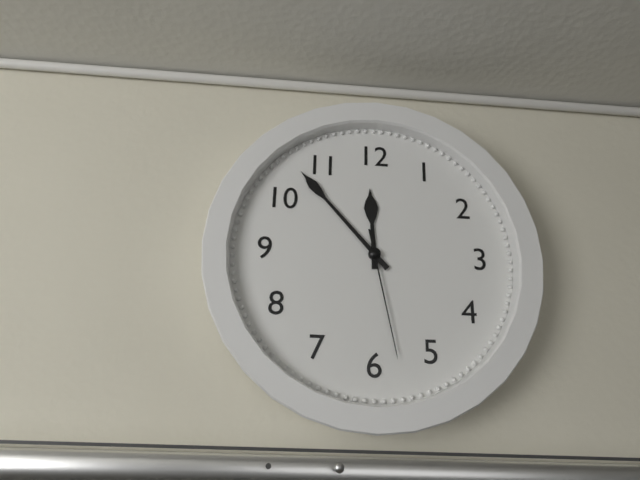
11.53.28
